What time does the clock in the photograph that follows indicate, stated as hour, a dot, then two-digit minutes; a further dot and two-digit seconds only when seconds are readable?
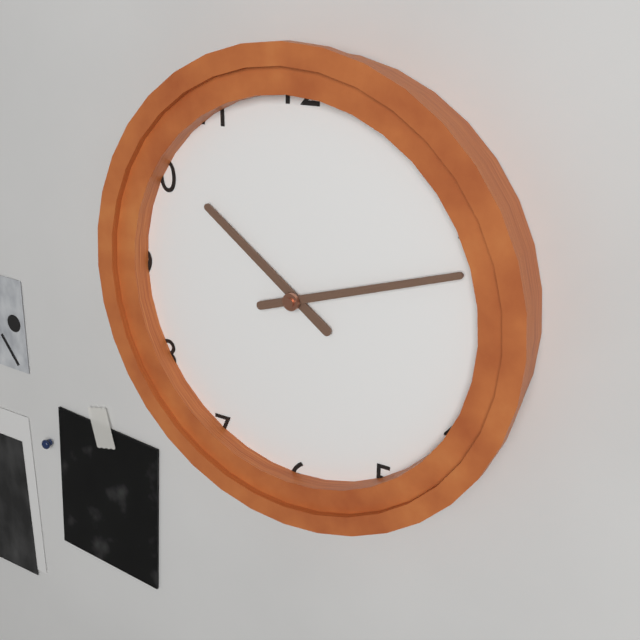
10.12
